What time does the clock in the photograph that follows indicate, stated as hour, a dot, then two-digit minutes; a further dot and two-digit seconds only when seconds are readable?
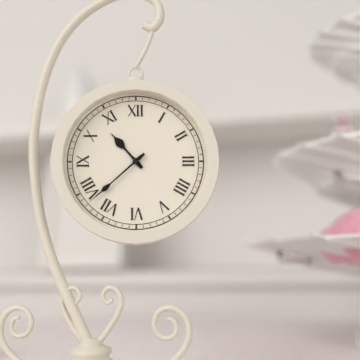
10.38
